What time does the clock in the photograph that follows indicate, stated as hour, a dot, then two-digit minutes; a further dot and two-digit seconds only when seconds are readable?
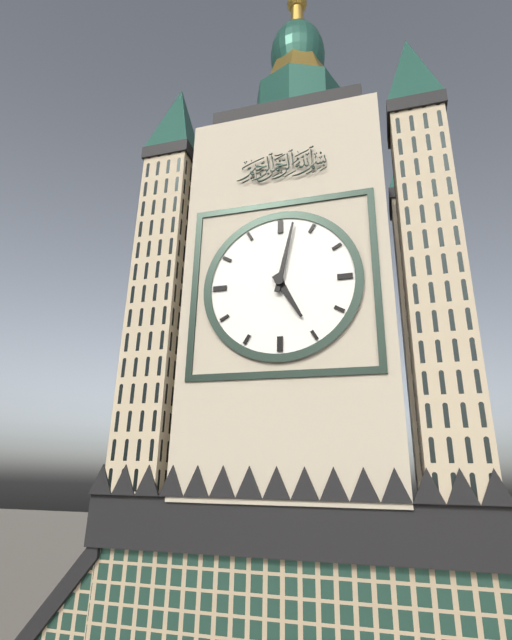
5.02
